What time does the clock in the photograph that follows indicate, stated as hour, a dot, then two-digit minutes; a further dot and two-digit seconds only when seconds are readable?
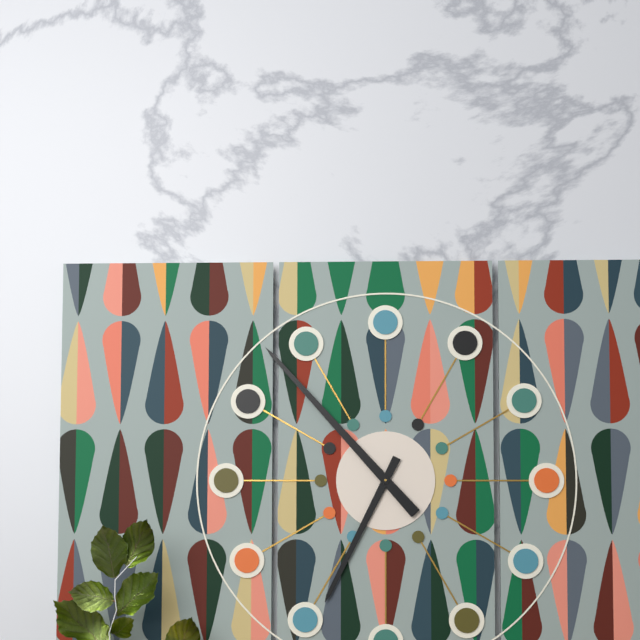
6.53
